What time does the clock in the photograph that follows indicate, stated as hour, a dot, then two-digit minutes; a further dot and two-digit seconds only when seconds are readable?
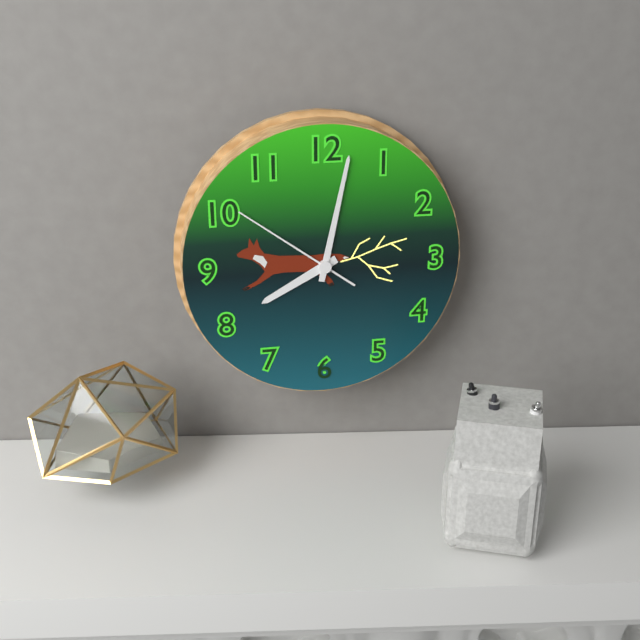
8.02.51
